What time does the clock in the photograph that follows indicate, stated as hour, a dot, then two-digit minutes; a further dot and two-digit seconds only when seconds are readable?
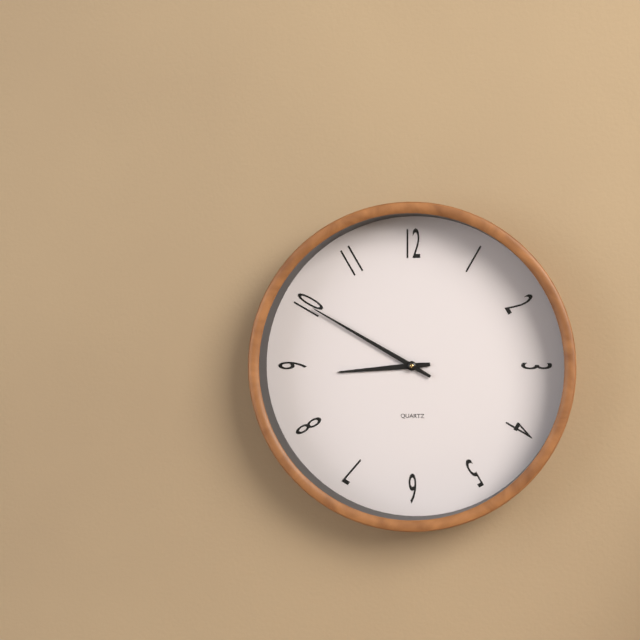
8.50
